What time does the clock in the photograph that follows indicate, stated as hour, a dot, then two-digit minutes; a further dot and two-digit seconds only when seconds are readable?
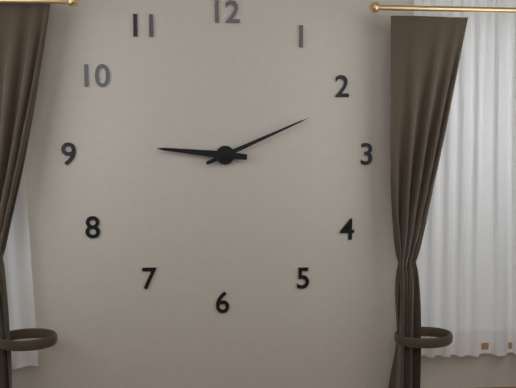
9.11
